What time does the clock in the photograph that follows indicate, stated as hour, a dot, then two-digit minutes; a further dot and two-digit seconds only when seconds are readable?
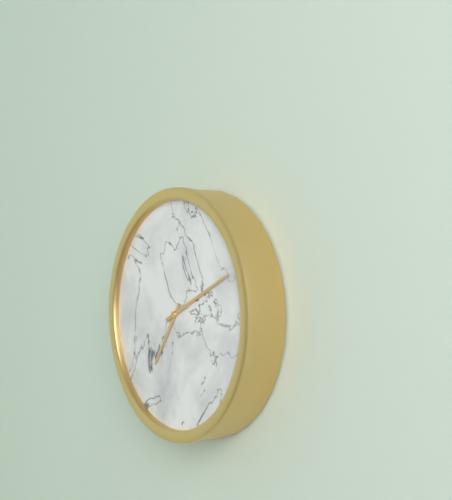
7.11
